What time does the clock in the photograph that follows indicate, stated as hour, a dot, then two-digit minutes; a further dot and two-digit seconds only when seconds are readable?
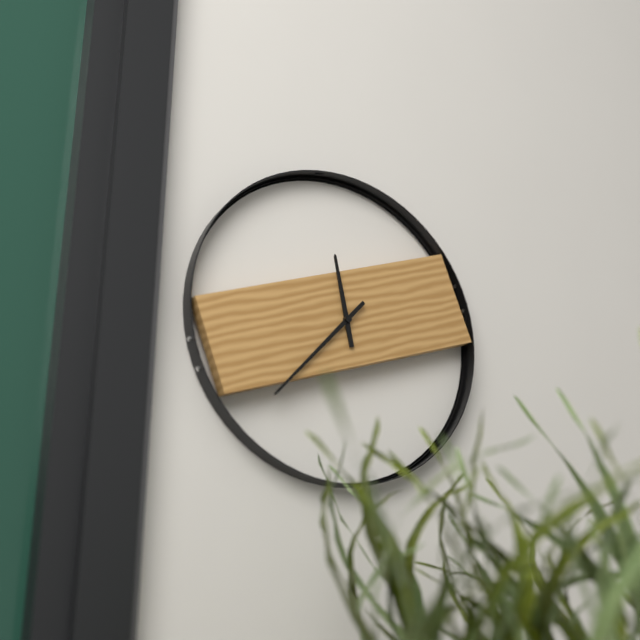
11.37
